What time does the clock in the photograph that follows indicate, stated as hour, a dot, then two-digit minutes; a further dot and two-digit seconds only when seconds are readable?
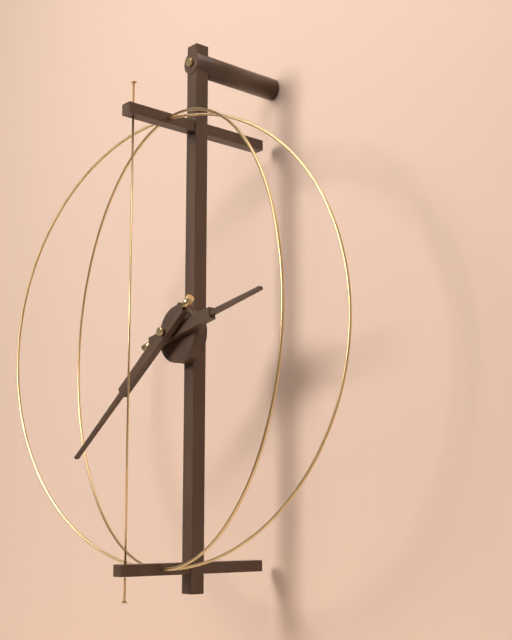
2.39
